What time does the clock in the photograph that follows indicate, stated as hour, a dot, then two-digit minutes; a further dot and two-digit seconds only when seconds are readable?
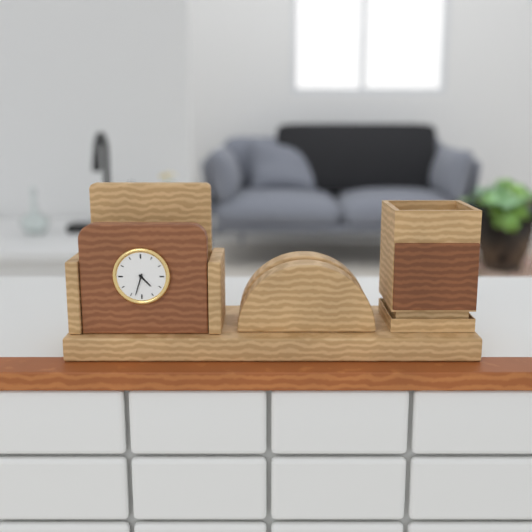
4.33
